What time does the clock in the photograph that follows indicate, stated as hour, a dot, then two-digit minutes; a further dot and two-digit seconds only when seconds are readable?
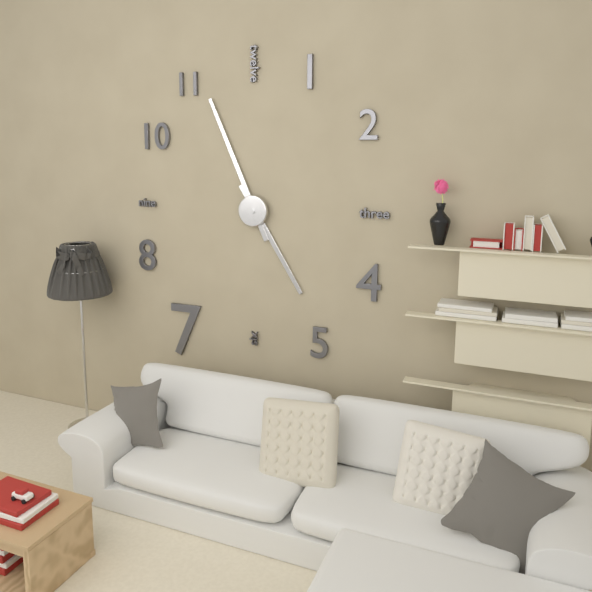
4.56
